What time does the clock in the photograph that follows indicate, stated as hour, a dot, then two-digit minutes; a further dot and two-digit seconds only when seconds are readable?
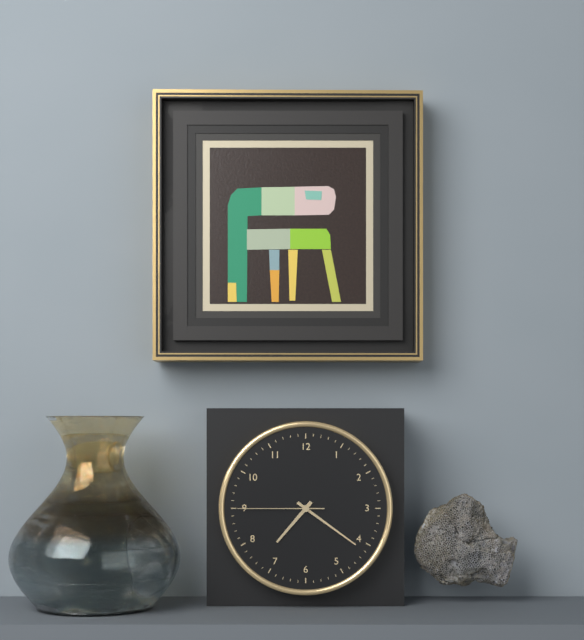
7.21.45
